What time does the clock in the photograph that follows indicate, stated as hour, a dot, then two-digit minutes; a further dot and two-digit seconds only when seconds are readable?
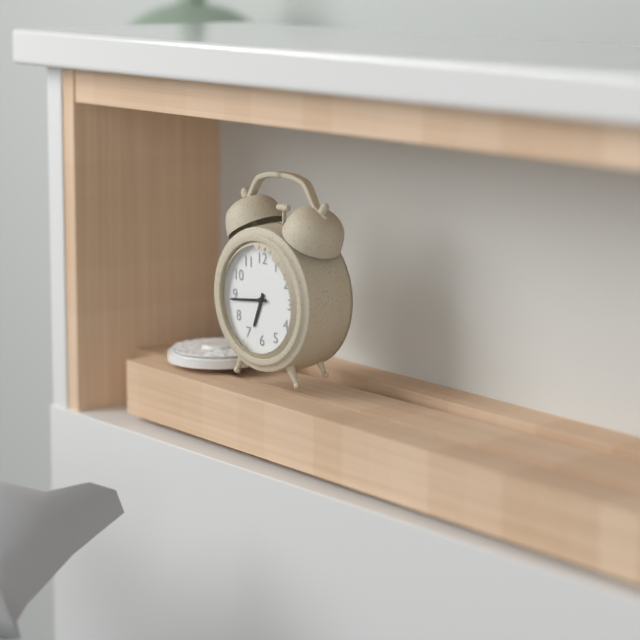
6.44
